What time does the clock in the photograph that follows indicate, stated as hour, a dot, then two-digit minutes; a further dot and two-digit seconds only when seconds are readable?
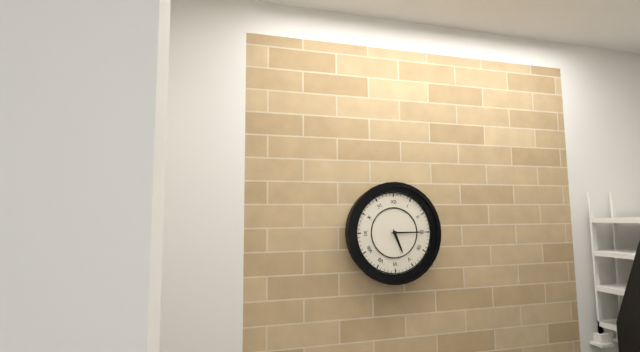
5.15
